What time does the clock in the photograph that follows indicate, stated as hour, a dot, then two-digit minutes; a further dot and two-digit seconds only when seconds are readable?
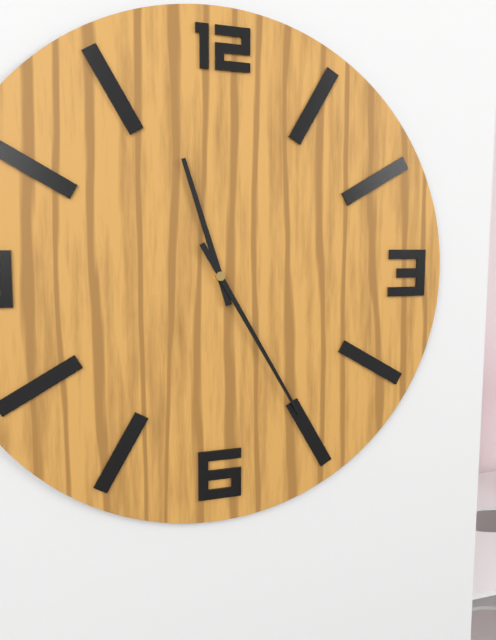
11.25
